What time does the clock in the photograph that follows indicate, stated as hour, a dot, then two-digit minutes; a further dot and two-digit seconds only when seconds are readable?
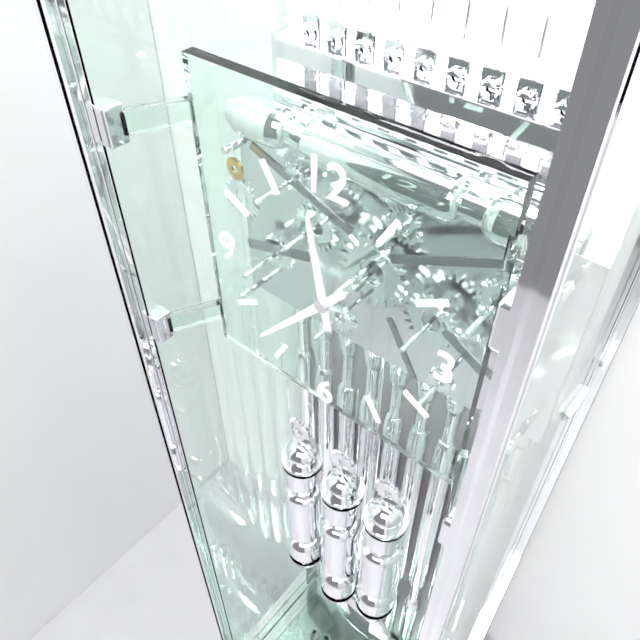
11.37
